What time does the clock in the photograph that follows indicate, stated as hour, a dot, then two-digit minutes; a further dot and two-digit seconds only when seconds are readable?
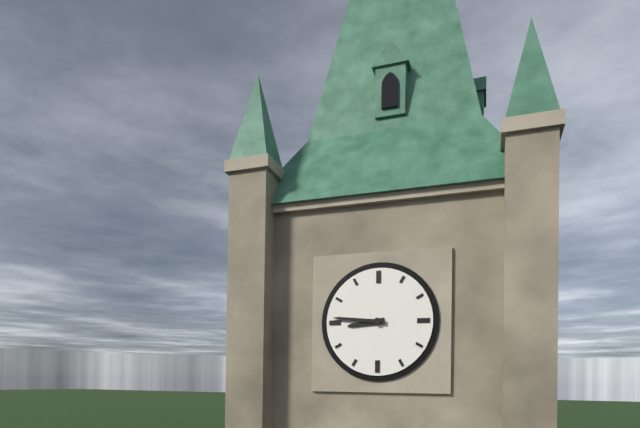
8.46
